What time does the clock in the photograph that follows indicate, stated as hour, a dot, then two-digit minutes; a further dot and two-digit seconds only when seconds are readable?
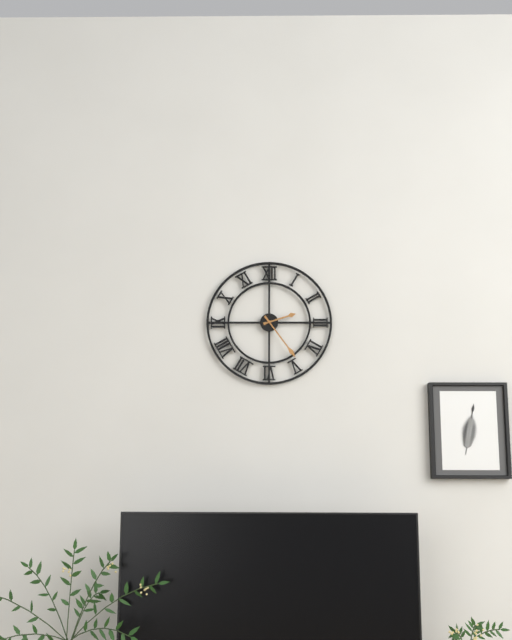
2.24
